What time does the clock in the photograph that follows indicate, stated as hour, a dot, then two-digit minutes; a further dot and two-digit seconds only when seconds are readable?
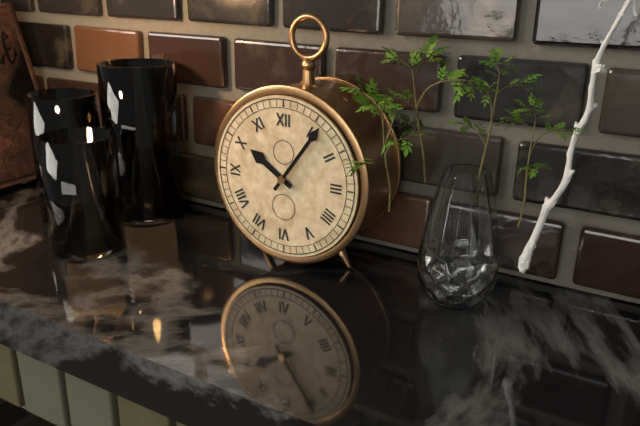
10.06
